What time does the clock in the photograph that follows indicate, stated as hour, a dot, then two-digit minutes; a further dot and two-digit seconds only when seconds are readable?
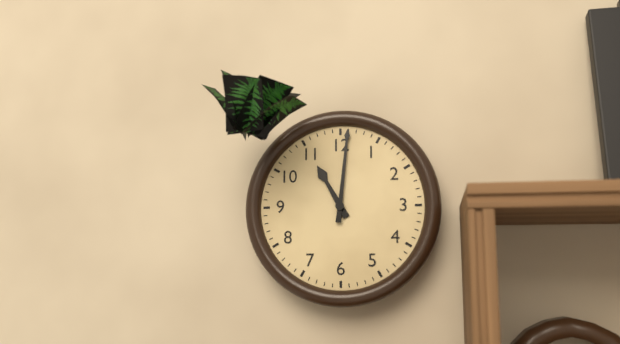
11.01
